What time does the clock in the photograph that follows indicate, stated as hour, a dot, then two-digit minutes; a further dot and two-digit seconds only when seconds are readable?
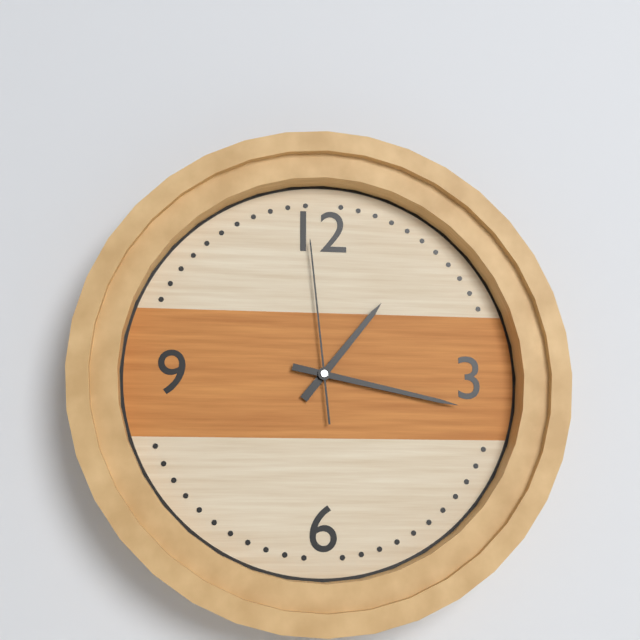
1.17.59
